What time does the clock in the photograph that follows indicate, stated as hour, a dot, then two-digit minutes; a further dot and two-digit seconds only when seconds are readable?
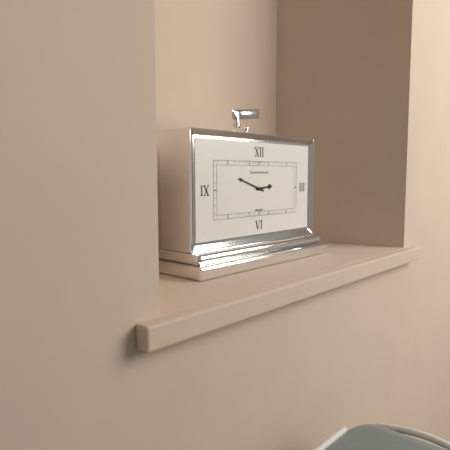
2.48
